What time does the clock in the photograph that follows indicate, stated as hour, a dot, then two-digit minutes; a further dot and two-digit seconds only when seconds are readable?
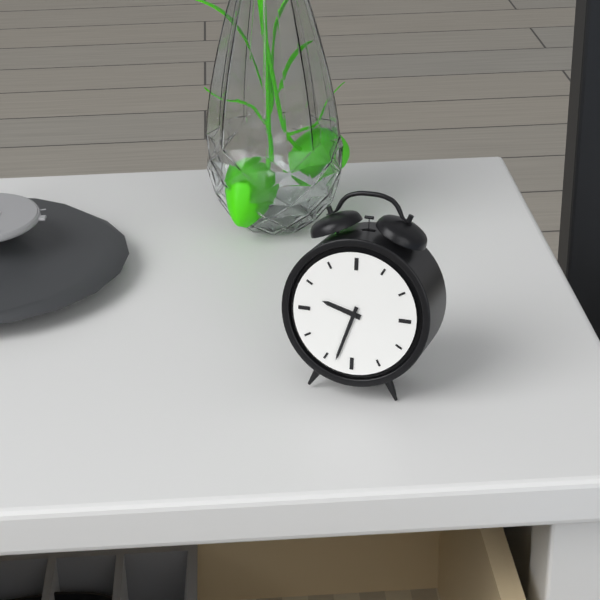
9.33
